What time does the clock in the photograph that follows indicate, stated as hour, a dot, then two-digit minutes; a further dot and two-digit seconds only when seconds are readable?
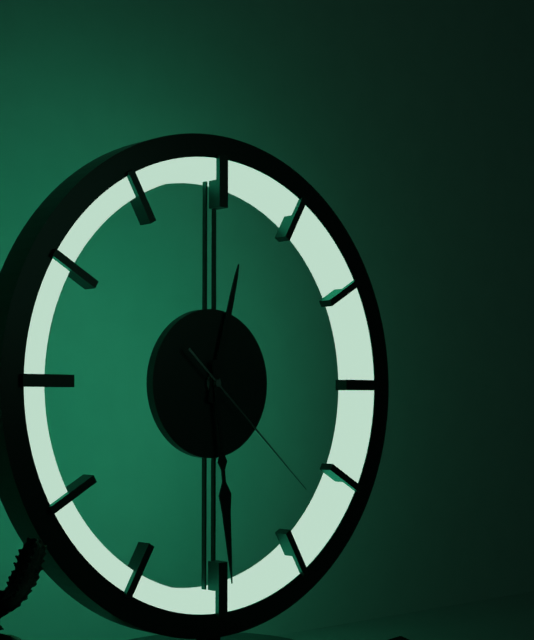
12.29.22
